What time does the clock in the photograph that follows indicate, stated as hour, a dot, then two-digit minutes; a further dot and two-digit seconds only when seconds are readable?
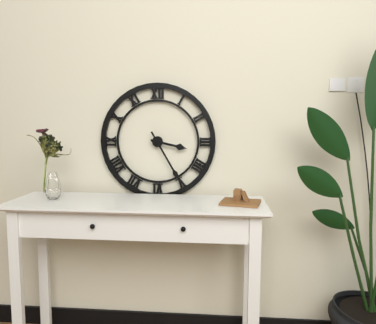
3.25
